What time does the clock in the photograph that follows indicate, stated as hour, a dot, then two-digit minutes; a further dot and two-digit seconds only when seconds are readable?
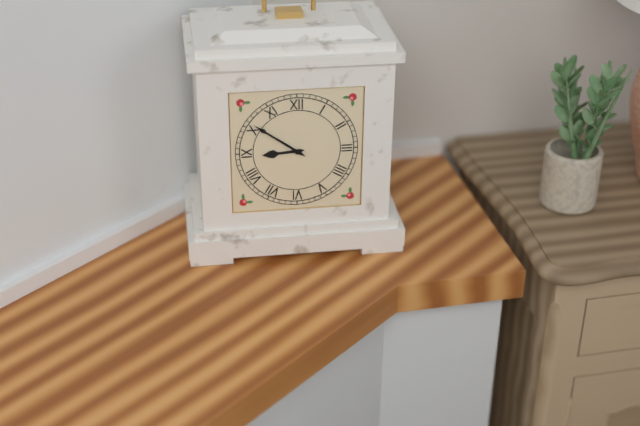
8.51
